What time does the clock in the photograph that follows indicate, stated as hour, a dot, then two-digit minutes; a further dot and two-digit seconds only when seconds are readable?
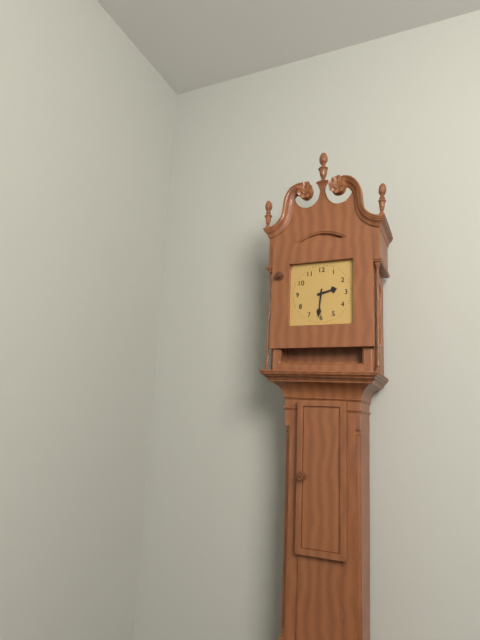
2.31
